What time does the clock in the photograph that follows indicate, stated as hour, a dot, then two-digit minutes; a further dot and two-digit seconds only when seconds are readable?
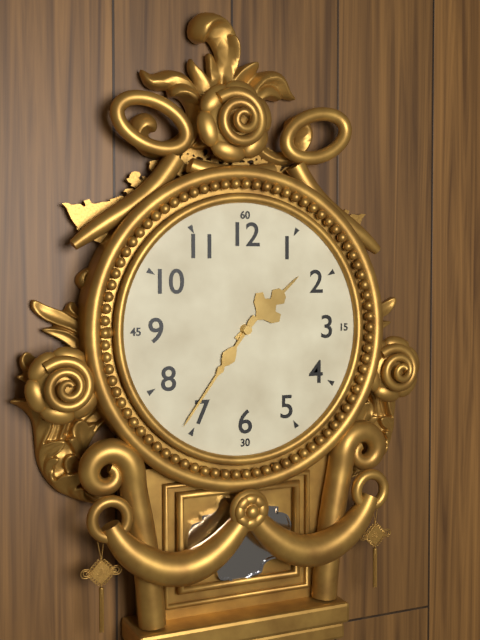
1.36
